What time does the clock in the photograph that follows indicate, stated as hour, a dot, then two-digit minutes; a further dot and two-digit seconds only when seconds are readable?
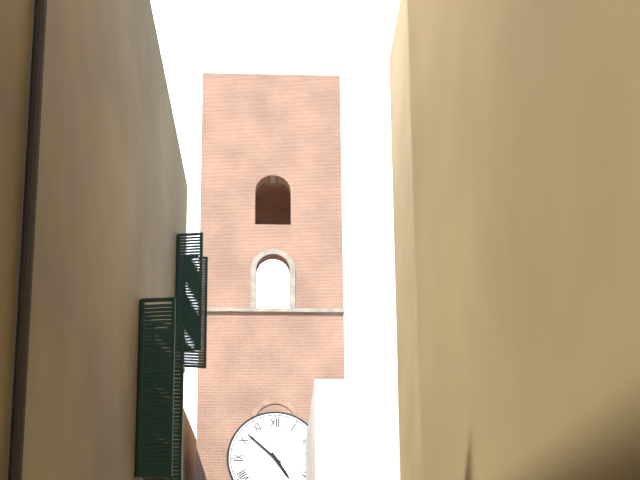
4.52
